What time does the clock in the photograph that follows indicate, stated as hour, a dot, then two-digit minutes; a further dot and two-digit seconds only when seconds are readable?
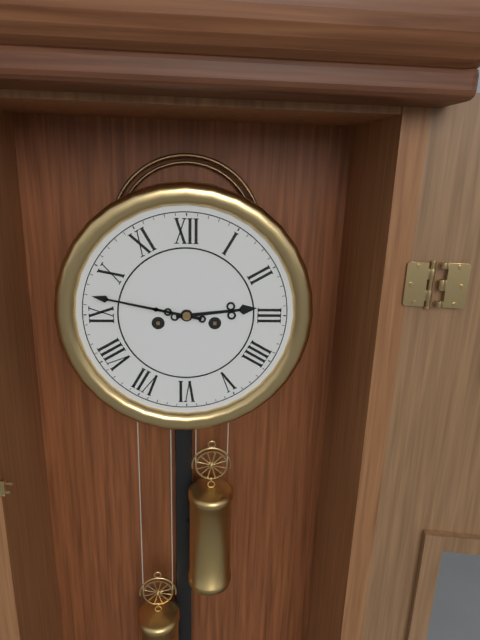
2.47
